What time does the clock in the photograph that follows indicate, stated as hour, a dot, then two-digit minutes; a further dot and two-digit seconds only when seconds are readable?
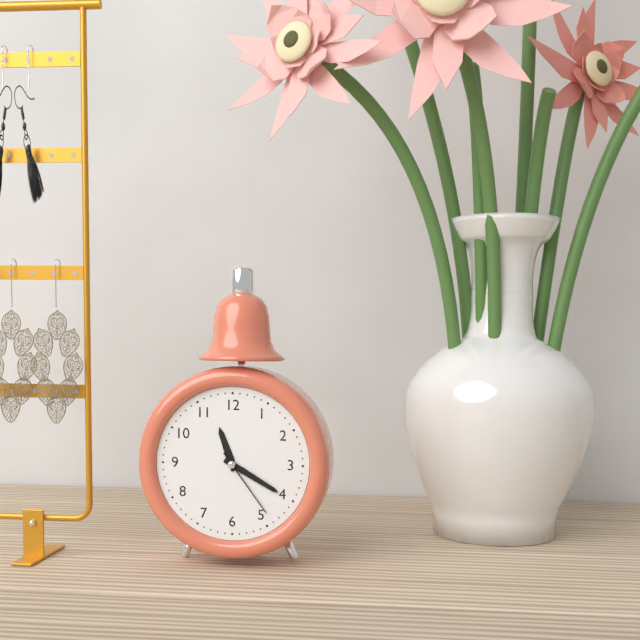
11.20.24
